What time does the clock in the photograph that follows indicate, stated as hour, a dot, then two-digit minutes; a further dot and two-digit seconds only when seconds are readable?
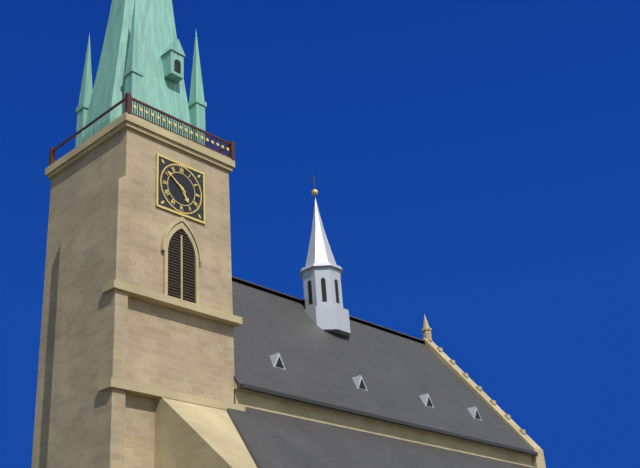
4.51
